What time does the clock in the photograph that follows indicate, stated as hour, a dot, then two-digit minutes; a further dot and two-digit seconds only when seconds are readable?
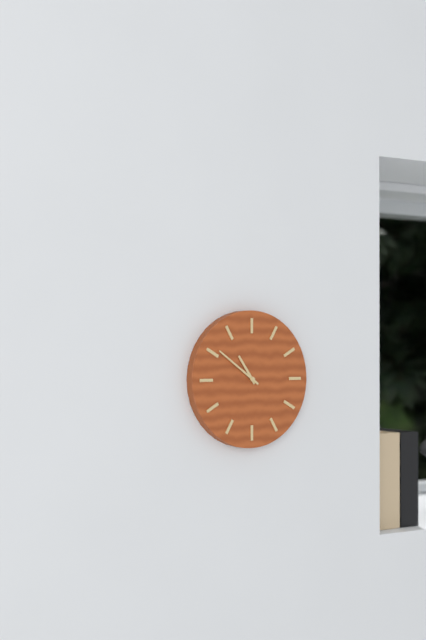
10.51
